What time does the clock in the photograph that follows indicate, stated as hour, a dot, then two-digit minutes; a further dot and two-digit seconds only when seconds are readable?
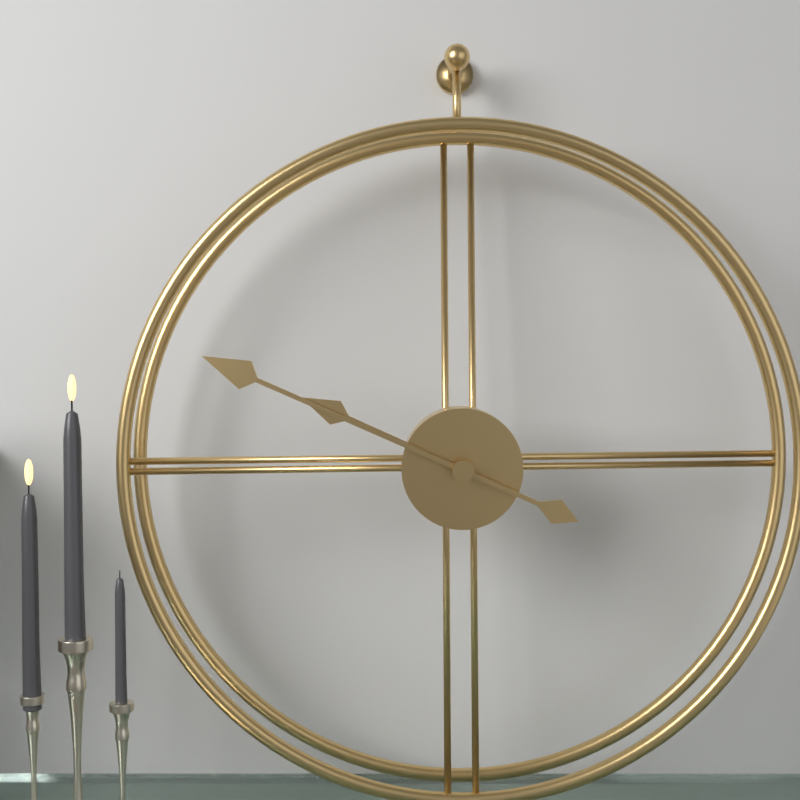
9.49
